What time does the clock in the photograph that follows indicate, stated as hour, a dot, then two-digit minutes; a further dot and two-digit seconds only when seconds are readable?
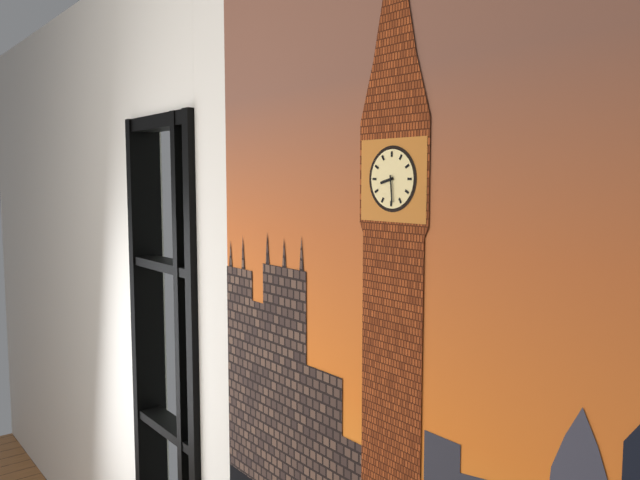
8.29
